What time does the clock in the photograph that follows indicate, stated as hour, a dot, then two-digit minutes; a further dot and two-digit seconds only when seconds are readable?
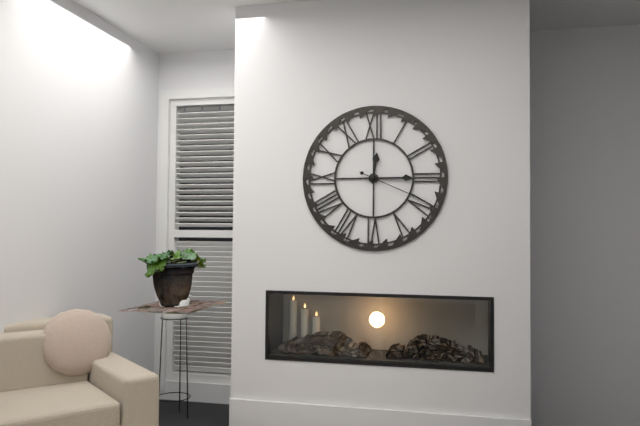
12.15.19
